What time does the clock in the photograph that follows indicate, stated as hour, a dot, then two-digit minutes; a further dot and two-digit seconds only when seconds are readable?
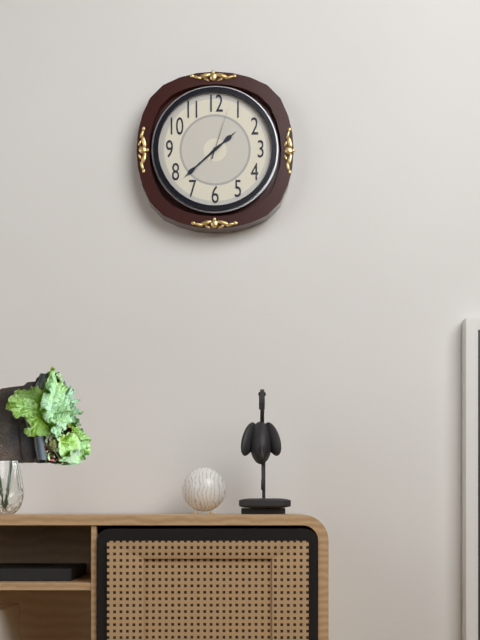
1.38.03
